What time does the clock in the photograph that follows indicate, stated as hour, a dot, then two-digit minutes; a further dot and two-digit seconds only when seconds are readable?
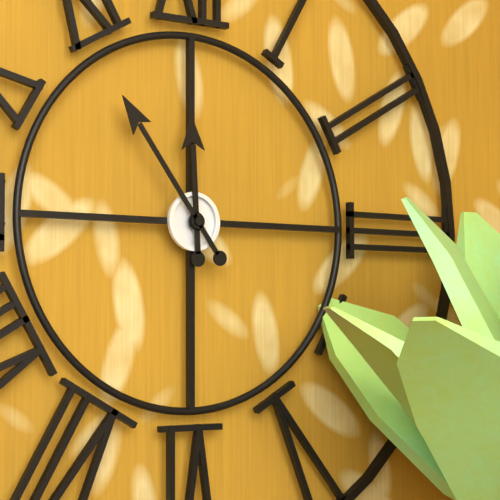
11.54
